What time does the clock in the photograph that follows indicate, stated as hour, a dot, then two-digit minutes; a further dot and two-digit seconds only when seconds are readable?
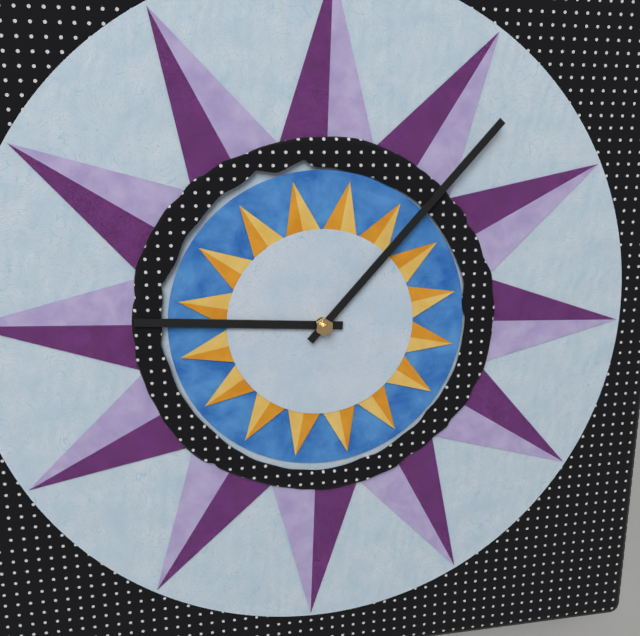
9.07
